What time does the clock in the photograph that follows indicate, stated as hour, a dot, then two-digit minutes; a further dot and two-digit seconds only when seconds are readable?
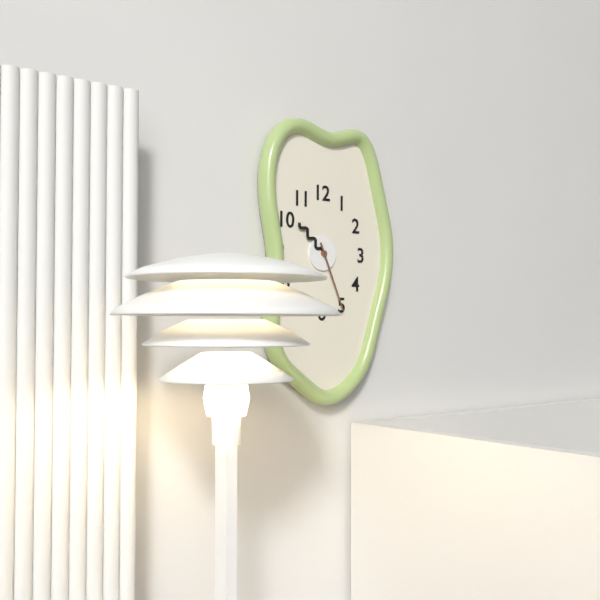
10.26
